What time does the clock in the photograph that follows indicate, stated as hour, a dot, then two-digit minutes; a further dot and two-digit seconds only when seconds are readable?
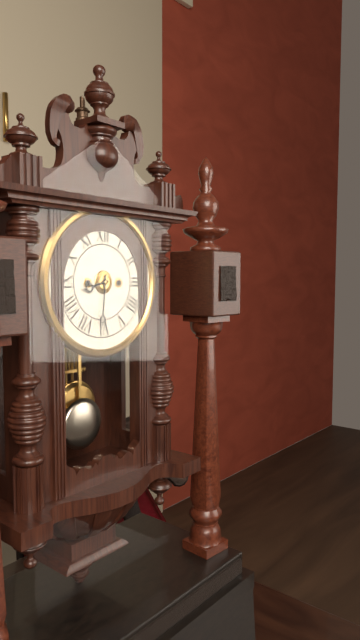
8.31
